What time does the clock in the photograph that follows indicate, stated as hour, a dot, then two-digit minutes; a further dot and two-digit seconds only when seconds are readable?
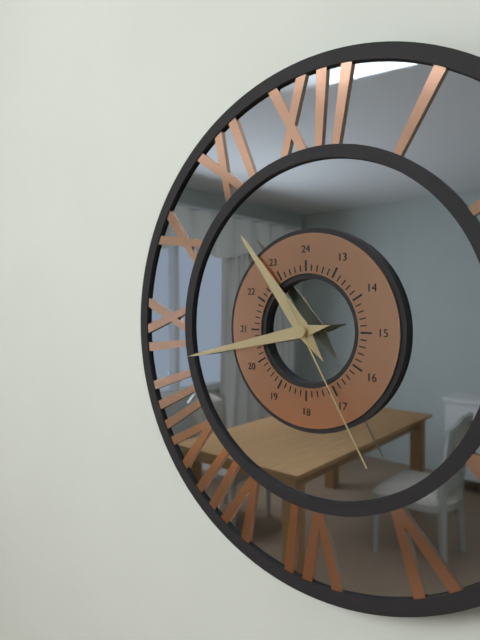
10.43.25
